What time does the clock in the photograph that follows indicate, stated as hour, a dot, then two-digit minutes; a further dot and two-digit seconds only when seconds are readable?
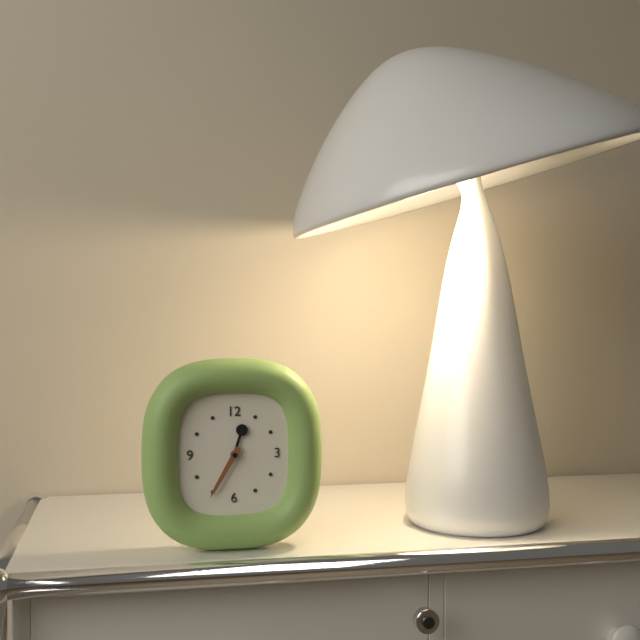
12.35
